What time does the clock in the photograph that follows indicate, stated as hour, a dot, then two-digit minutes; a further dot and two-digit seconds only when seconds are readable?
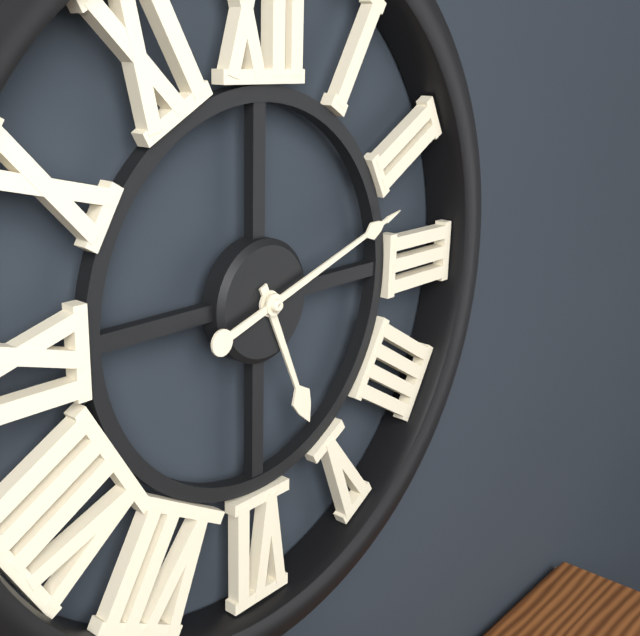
5.12
